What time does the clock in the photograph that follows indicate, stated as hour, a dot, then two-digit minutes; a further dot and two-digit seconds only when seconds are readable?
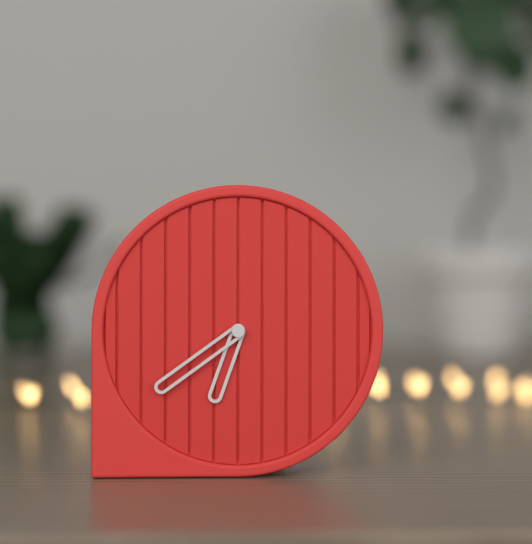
6.39
